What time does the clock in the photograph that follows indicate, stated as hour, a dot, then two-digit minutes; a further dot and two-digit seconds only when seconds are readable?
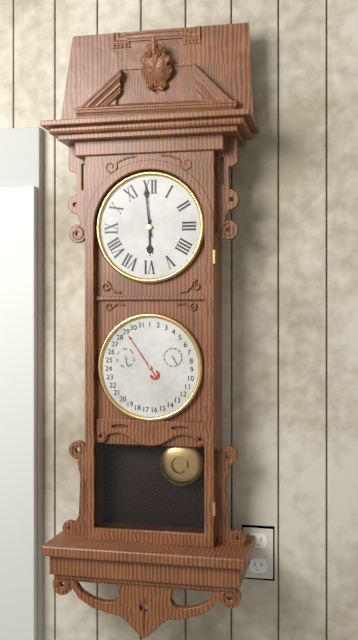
5.59
